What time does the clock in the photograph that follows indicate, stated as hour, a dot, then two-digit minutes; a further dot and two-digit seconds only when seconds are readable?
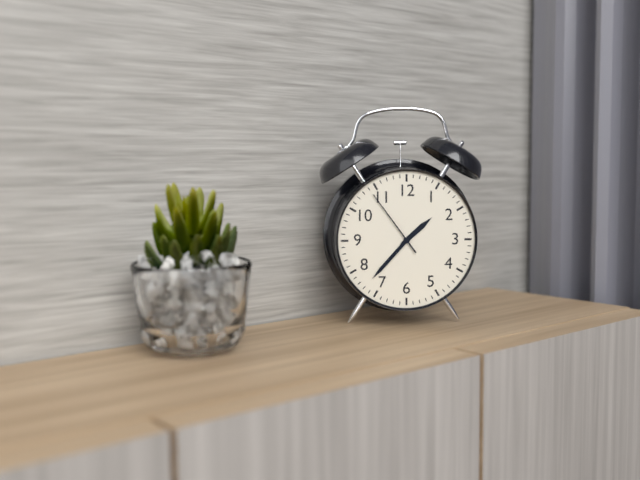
1.37.54
